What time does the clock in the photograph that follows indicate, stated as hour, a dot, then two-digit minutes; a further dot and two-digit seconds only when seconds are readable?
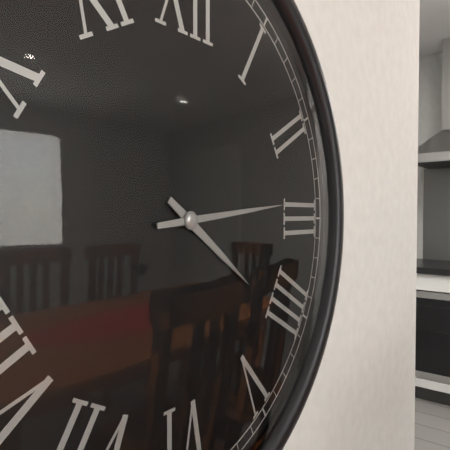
4.14
